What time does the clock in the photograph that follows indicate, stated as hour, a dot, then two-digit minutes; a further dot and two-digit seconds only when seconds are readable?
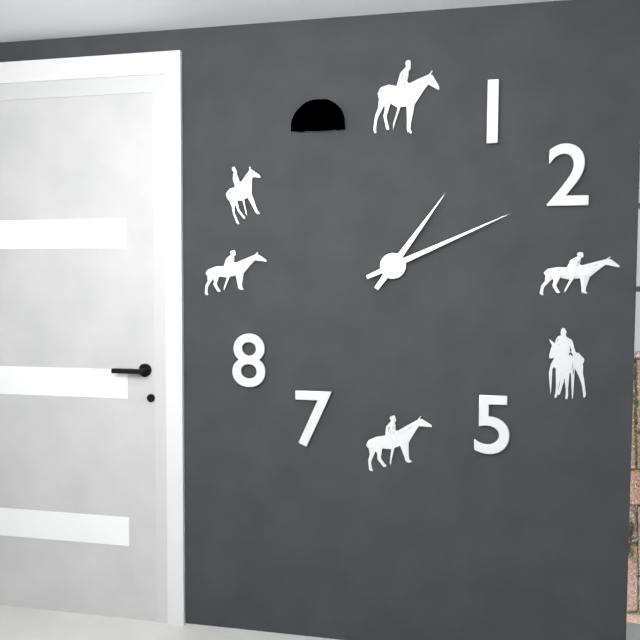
1.11
